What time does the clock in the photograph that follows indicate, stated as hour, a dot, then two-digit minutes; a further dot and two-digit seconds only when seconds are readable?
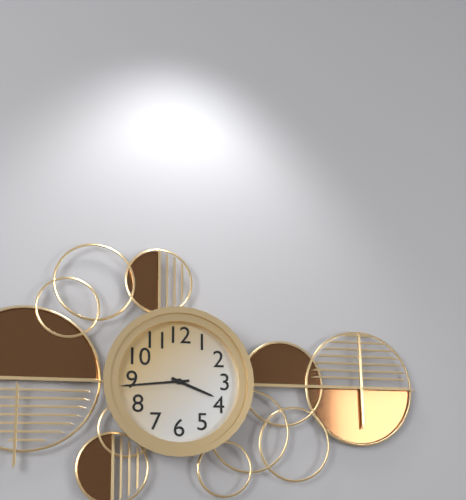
3.44
